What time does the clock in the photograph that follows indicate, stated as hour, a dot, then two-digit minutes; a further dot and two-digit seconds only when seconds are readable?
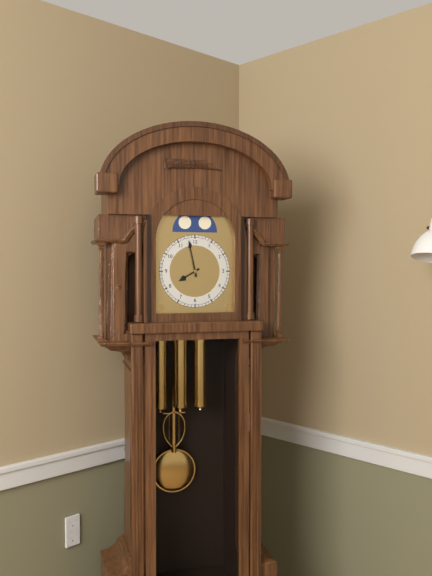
7.58
